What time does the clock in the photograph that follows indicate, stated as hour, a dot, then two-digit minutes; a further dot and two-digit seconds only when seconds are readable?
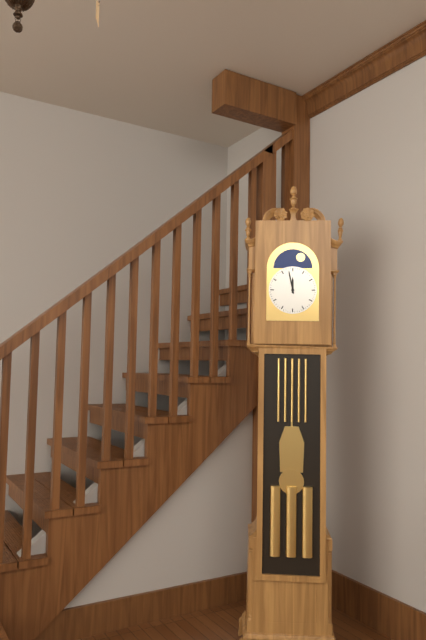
11.58
